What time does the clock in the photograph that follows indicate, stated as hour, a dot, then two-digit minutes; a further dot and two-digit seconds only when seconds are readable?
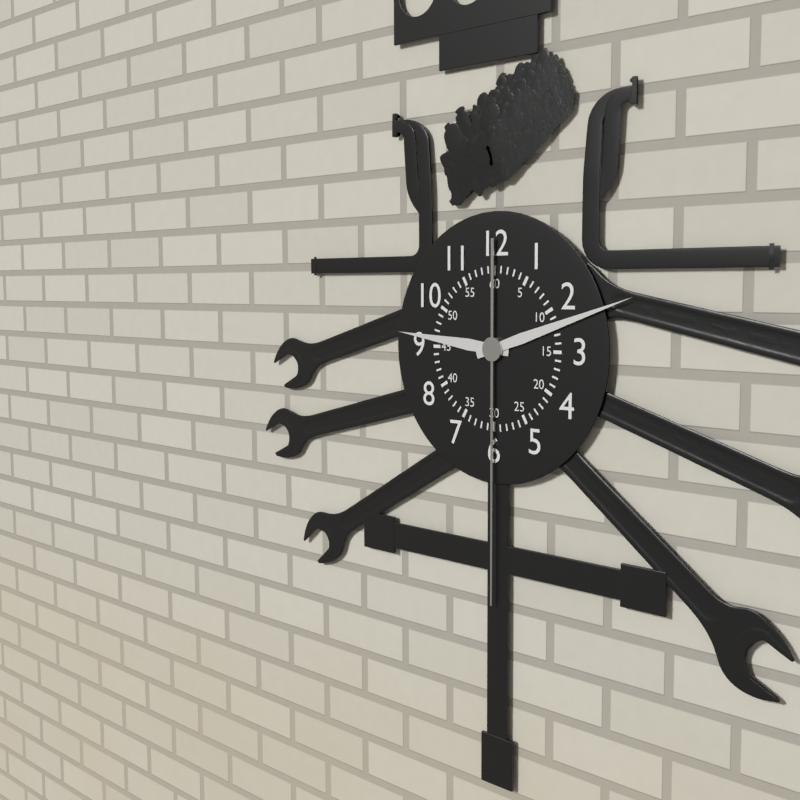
9.12.30
